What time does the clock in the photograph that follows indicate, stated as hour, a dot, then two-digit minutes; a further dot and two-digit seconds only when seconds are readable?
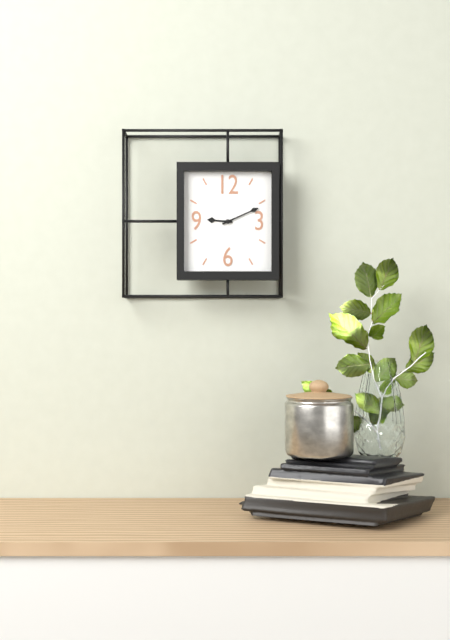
9.11
